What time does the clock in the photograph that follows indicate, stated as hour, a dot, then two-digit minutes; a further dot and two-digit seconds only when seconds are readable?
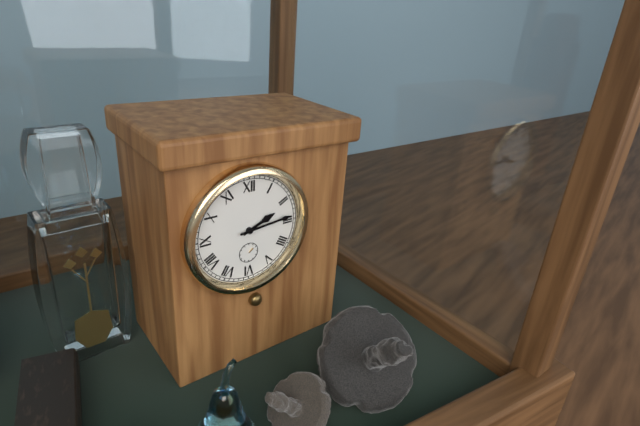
2.14
